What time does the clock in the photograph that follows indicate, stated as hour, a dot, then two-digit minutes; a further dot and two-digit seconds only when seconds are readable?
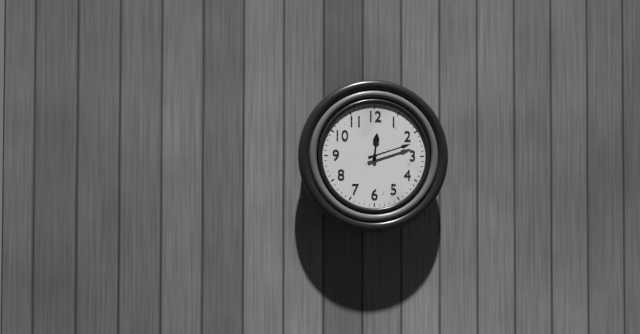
12.12
